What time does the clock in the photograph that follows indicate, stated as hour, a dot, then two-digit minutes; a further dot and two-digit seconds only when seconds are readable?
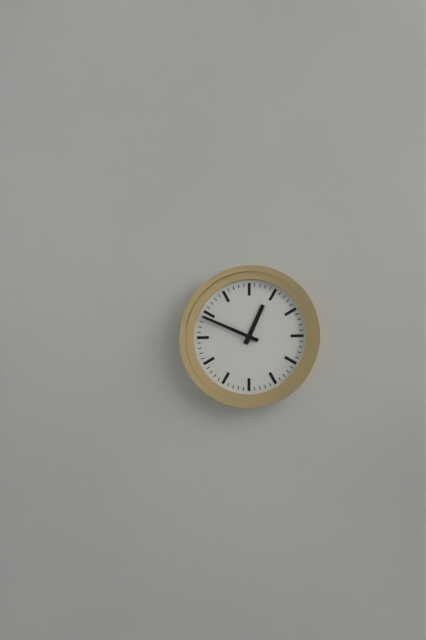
12.49
